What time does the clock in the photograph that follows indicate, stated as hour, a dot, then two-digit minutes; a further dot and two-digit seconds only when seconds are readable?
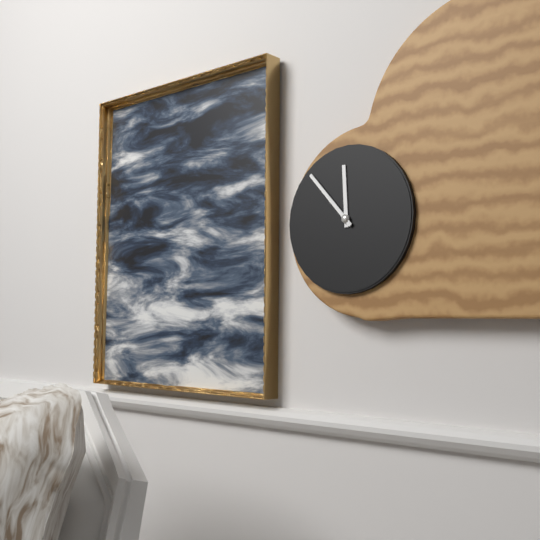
11.53
